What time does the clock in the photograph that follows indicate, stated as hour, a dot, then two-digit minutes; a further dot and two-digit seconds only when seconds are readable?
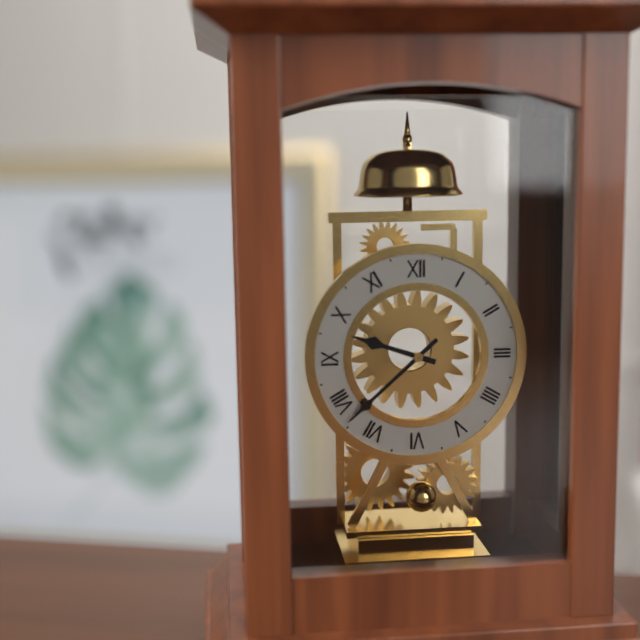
9.38
